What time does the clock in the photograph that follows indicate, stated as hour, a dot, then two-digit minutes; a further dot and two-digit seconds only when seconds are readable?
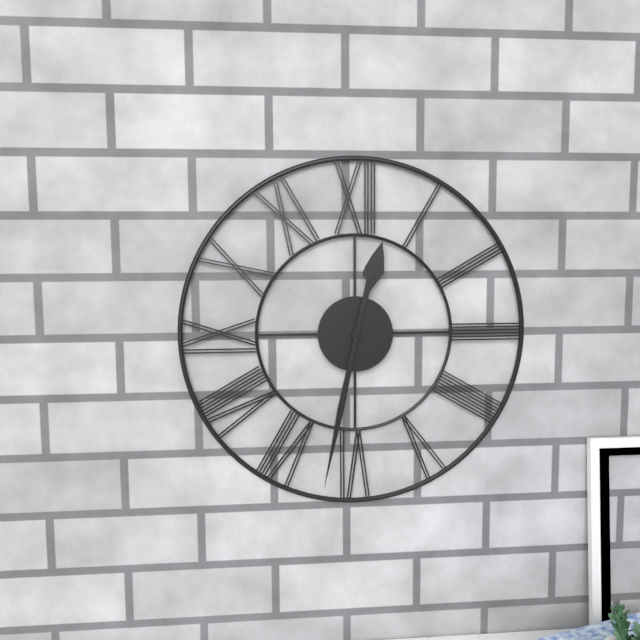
12.32
